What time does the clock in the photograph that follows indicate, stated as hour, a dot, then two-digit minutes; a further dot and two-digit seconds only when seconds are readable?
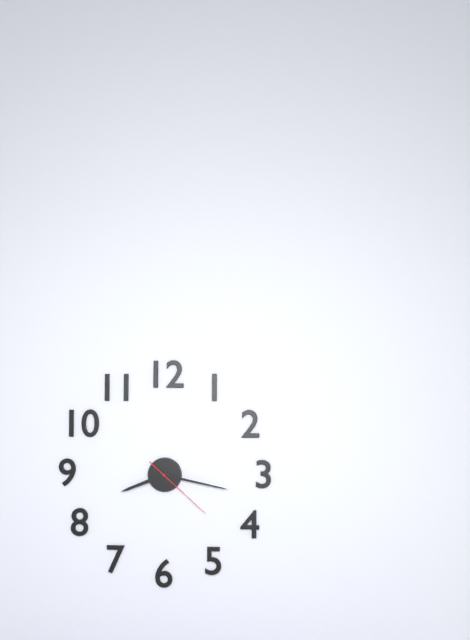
8.17.22
